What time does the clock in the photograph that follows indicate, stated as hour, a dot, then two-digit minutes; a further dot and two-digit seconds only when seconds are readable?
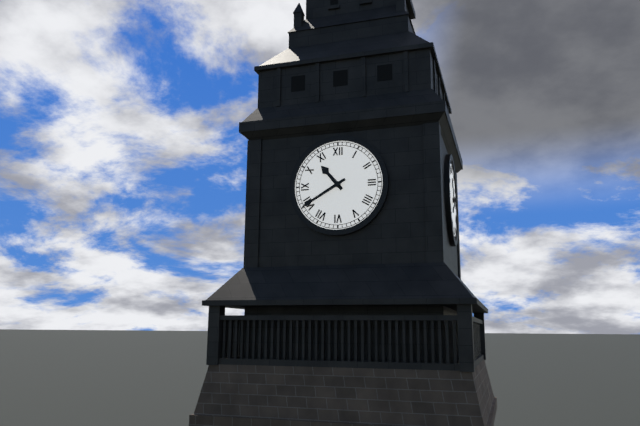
10.40
